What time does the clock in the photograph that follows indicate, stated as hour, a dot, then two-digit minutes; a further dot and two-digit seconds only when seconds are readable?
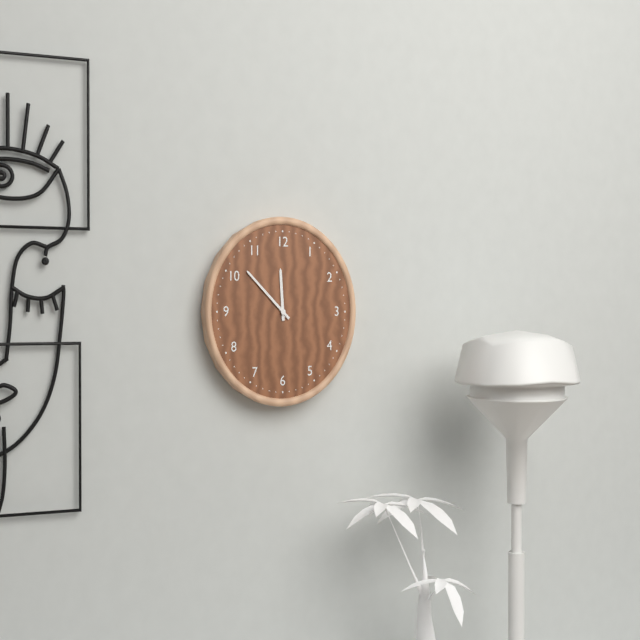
11.52
